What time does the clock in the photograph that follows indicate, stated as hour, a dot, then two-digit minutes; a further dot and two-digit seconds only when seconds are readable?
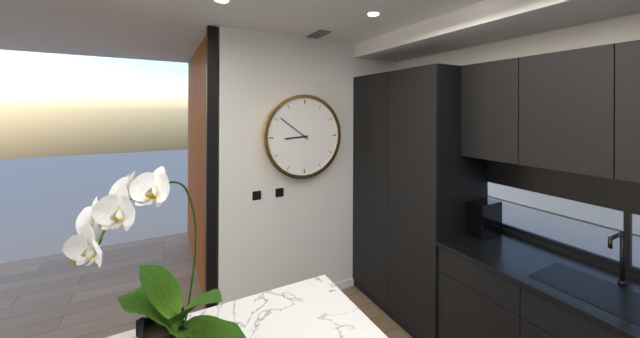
8.51
